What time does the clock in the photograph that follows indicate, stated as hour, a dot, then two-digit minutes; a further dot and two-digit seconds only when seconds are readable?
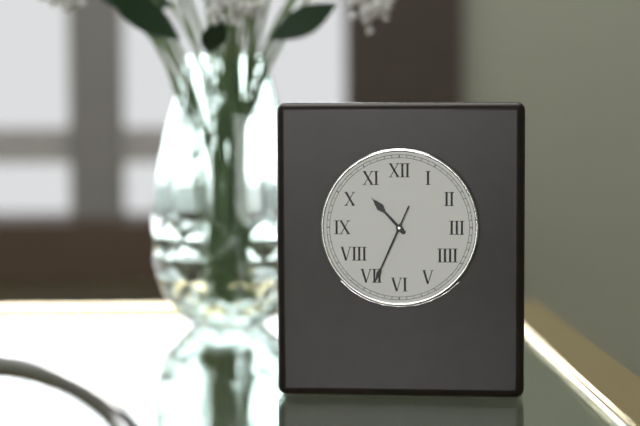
10.34
